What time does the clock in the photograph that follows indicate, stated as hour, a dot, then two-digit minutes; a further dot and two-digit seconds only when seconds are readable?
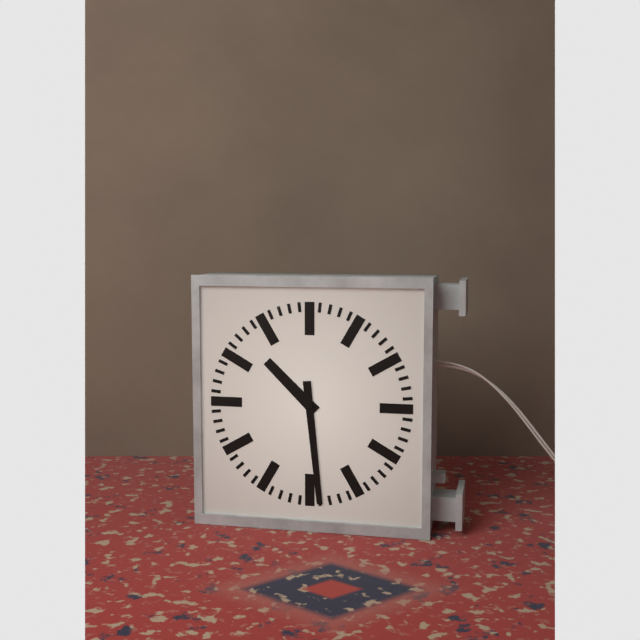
10.29
